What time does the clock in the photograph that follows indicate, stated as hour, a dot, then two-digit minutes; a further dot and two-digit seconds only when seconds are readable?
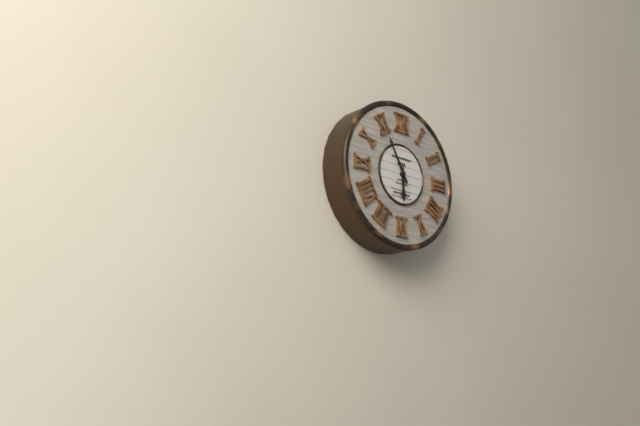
5.55
